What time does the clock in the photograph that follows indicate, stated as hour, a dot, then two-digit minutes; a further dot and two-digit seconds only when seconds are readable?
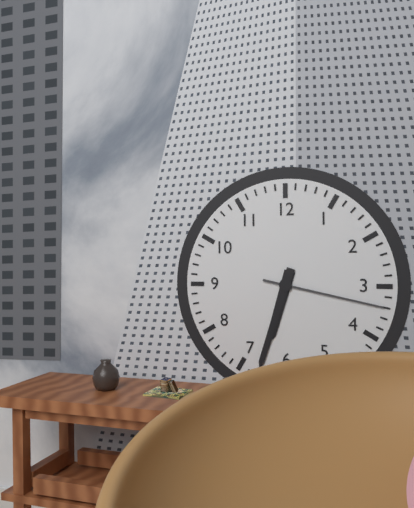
6.33.17
